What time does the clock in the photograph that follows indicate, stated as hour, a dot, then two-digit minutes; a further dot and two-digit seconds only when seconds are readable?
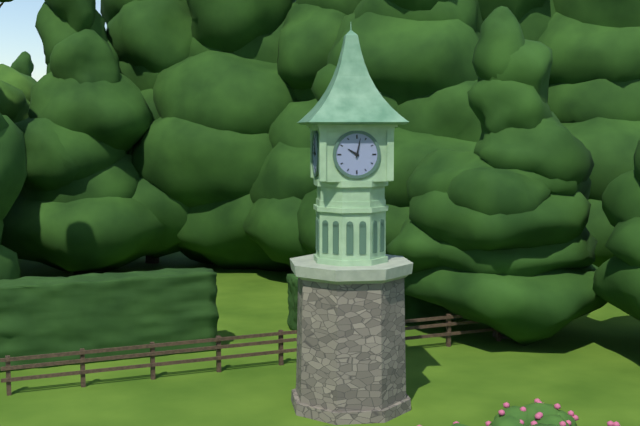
10.02
